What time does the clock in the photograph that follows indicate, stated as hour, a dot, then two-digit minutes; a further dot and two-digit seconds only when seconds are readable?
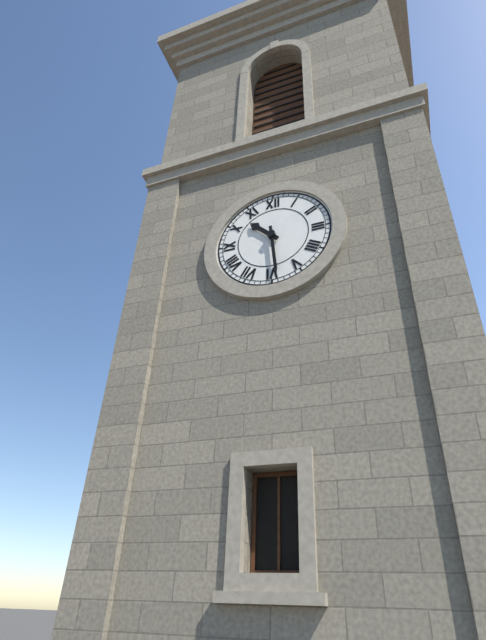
10.29
